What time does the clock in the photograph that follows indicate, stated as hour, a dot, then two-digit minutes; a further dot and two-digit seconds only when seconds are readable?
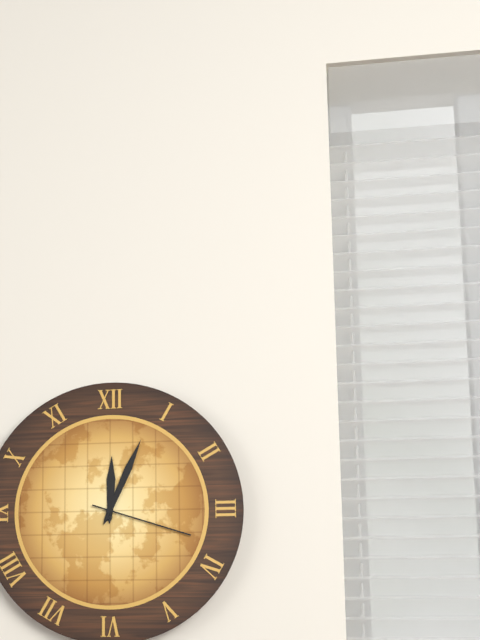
12.04.18
